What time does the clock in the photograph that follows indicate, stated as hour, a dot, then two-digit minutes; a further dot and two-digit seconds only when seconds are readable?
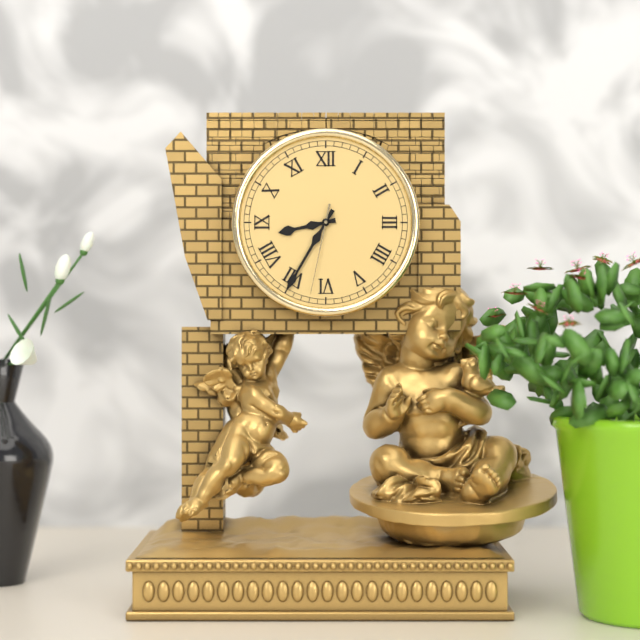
8.35.32
